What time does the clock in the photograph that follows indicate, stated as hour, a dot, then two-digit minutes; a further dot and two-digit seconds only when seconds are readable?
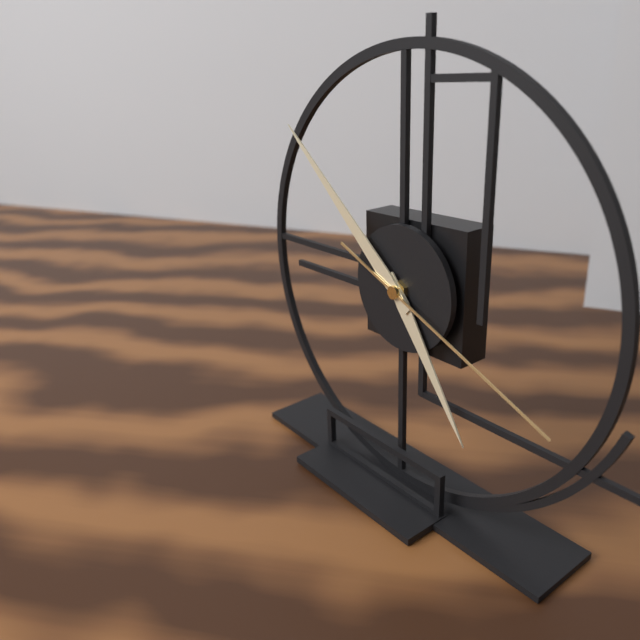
4.52.19
